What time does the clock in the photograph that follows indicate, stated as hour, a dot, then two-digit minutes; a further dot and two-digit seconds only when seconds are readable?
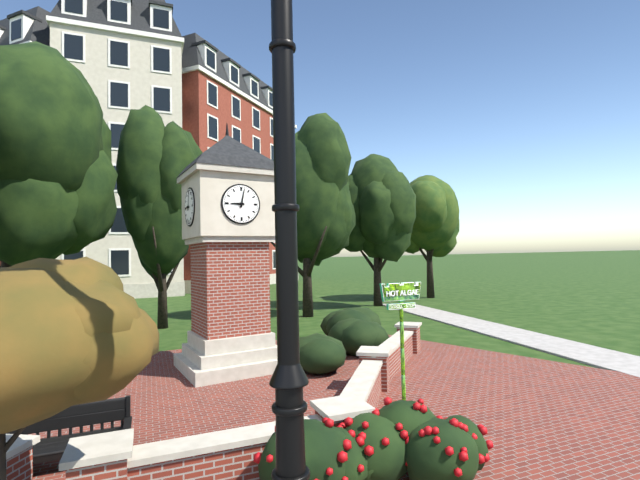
9.02
